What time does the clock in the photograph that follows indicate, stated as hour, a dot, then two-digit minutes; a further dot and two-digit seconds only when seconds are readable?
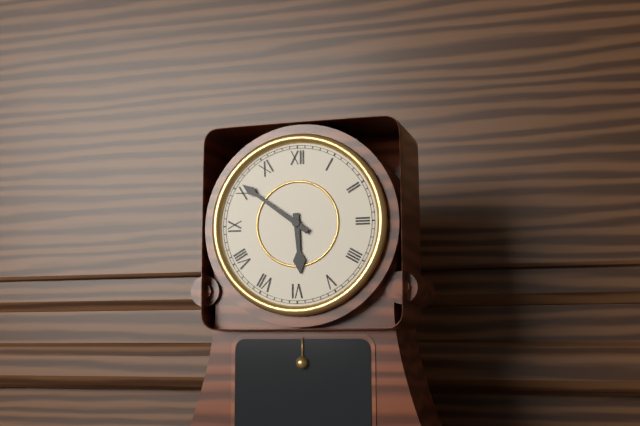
5.51
